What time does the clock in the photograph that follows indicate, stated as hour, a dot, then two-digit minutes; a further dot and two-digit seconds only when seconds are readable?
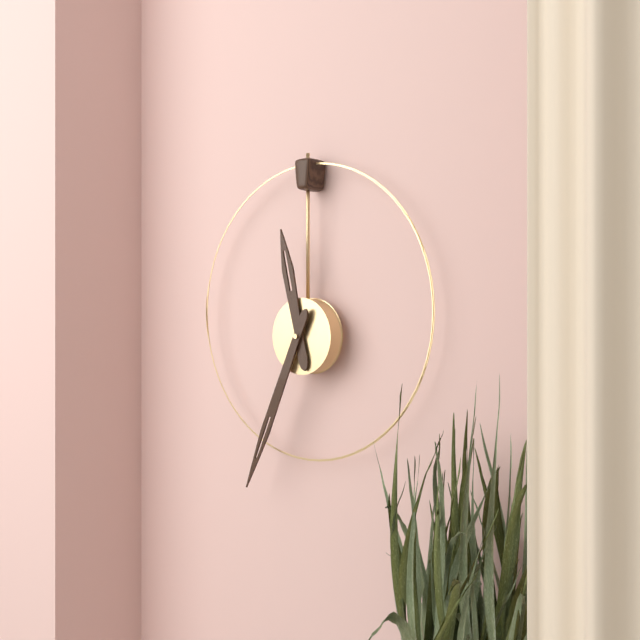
11.34
